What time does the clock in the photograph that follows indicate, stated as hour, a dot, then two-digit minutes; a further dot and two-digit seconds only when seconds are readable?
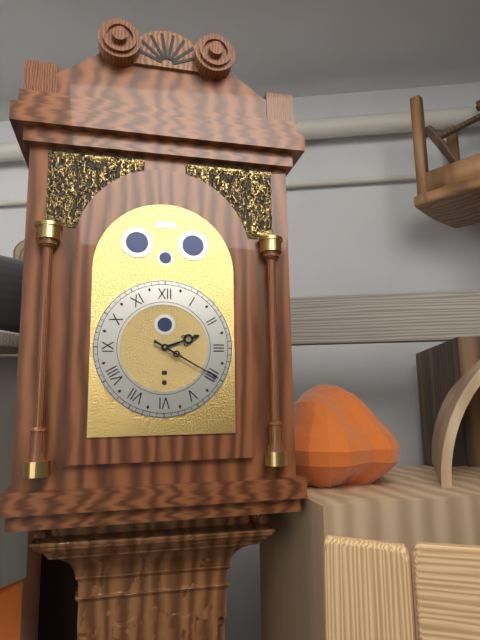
2.20
